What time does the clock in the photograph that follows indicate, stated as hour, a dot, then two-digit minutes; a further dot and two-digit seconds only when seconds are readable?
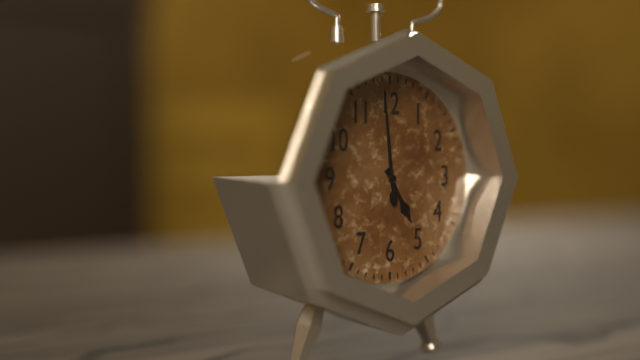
4.59
